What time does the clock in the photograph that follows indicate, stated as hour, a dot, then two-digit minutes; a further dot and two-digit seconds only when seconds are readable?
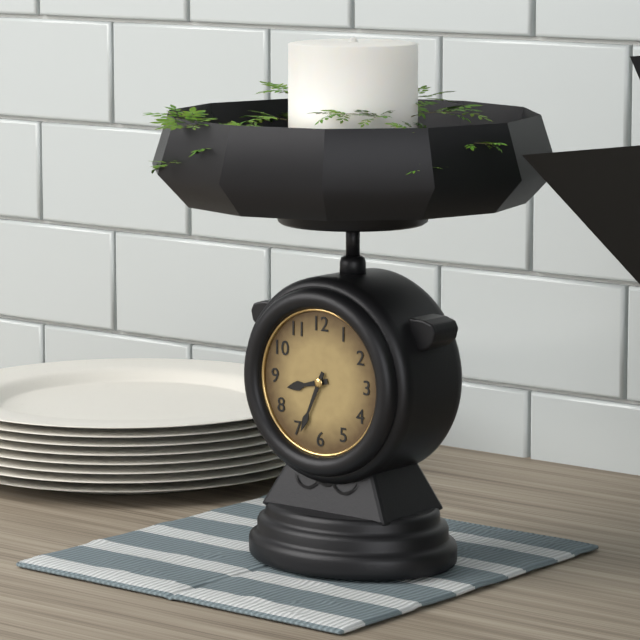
8.34
